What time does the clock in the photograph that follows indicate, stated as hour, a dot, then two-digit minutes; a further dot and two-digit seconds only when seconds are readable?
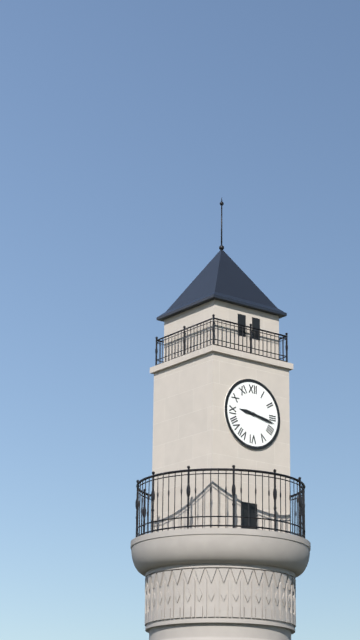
9.17
